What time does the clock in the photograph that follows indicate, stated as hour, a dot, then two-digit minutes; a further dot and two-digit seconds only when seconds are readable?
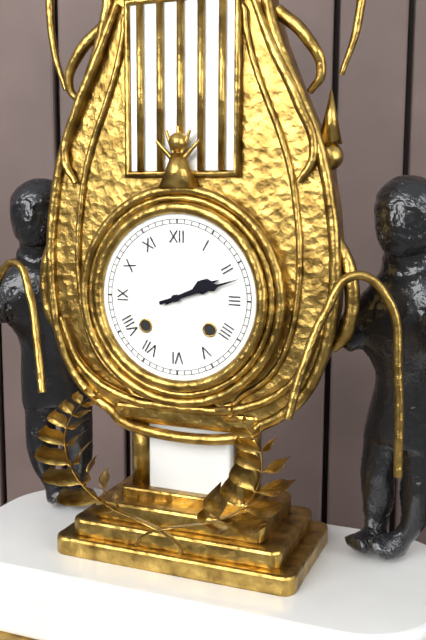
2.12
